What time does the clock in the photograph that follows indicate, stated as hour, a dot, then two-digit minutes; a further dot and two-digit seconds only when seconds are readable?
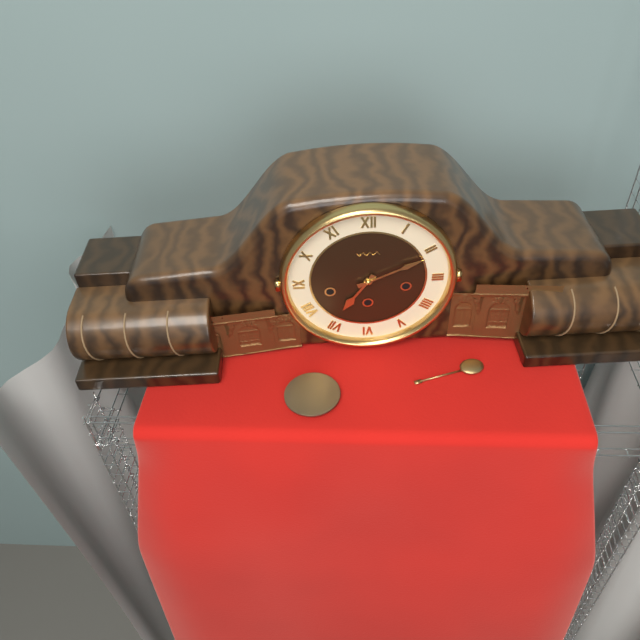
7.11
